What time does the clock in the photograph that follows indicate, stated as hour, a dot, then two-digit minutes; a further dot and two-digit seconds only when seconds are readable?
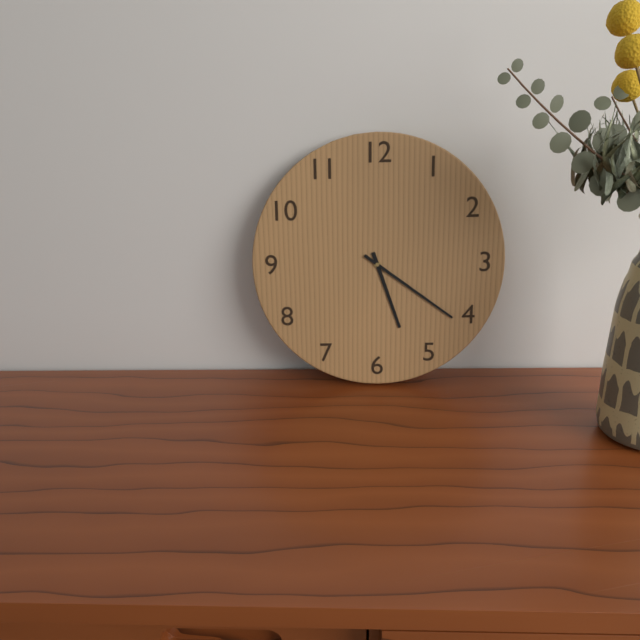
5.21
